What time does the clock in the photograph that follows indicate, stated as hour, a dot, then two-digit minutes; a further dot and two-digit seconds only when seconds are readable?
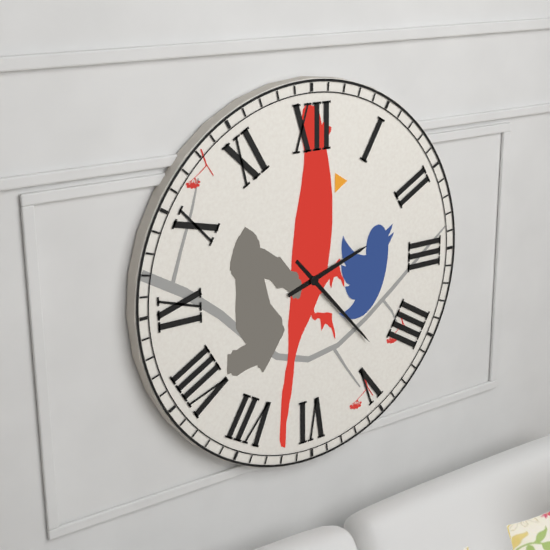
2.23
